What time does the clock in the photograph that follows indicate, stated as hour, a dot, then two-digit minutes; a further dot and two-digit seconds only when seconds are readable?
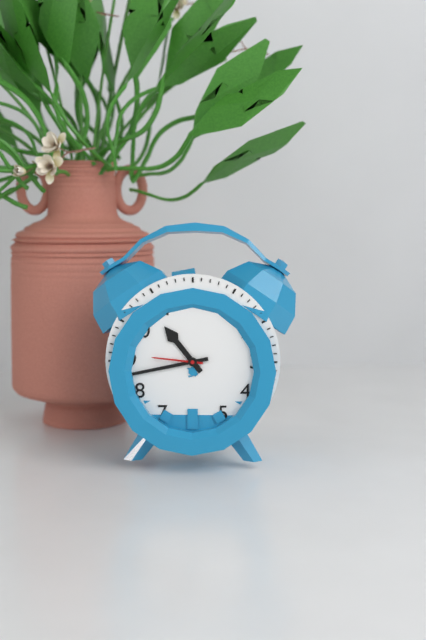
10.43.46
